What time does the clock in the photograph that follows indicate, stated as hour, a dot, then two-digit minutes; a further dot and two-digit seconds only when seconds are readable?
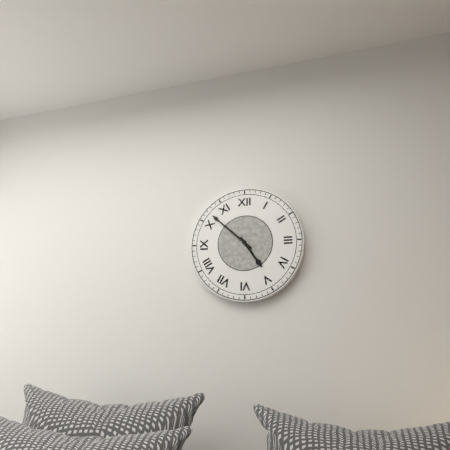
4.52
